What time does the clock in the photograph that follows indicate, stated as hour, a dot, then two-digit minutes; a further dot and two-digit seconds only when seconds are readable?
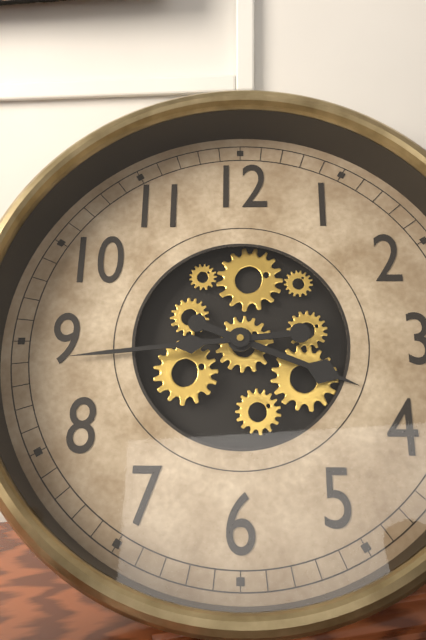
3.44
